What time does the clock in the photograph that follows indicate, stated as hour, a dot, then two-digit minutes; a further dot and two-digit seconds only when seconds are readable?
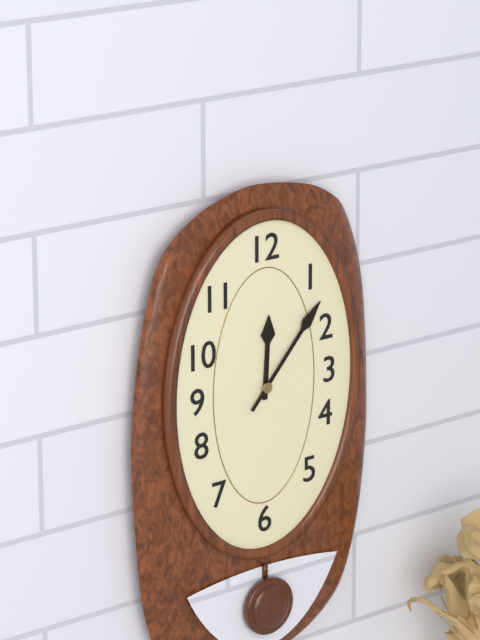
12.07
